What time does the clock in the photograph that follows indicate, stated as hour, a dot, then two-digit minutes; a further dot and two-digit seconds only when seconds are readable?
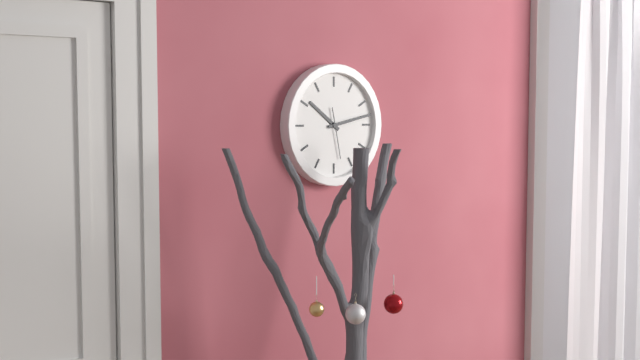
10.13
